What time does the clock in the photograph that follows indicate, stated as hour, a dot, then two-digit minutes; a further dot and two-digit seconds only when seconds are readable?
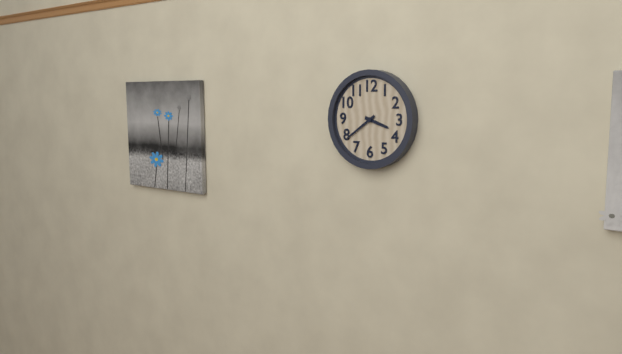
3.39
